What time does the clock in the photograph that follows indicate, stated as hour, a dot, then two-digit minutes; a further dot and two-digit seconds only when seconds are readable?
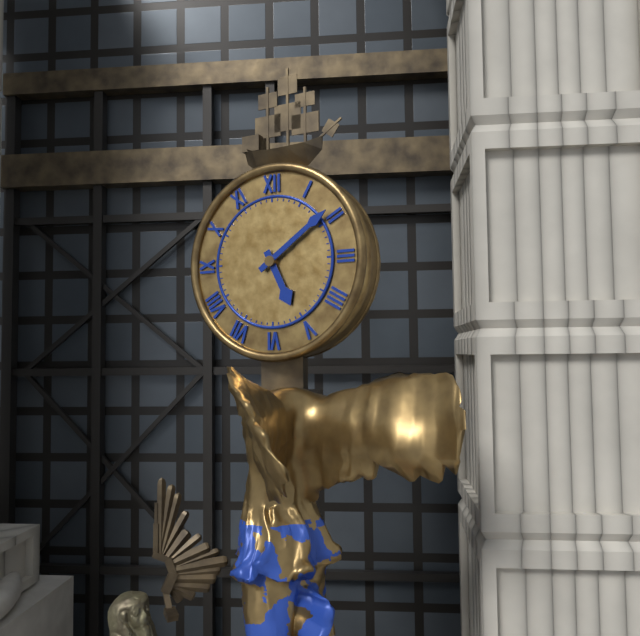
5.09
